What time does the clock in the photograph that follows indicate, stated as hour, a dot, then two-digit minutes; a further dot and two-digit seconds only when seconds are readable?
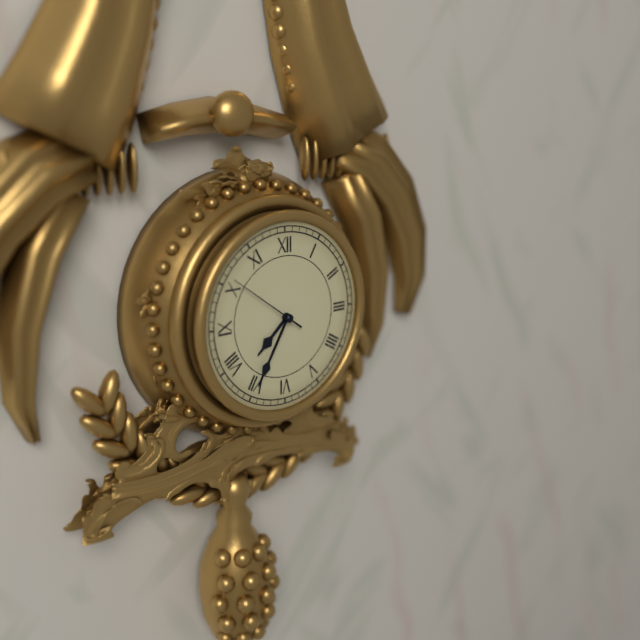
7.35.51
